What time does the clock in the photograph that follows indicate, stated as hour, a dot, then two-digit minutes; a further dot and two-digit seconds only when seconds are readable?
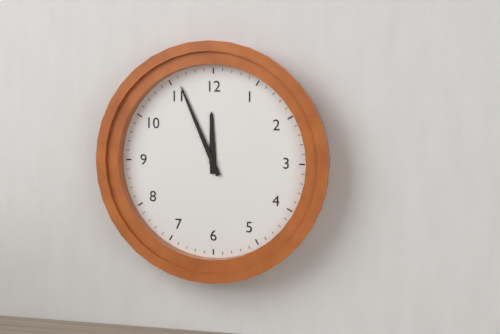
11.56
